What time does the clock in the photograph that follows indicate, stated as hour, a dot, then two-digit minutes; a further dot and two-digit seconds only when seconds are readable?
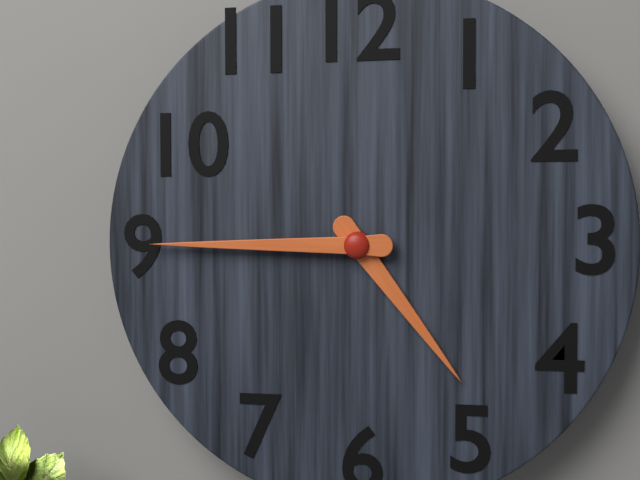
4.45
